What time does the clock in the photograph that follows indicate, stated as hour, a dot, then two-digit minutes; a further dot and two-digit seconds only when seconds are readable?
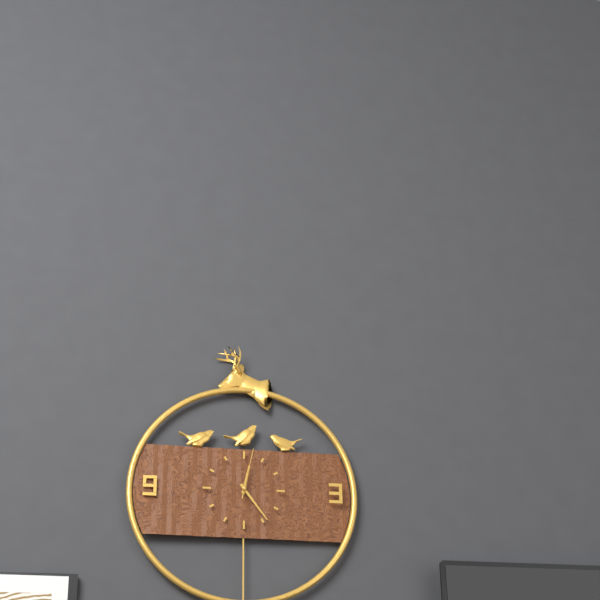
12.24.02
